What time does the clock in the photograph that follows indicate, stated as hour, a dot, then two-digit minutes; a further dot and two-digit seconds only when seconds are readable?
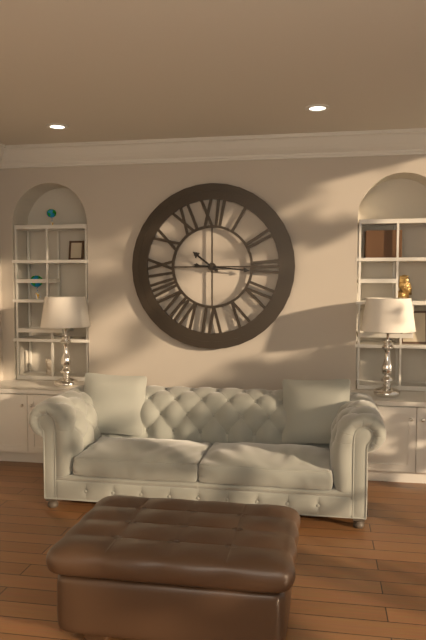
10.16
